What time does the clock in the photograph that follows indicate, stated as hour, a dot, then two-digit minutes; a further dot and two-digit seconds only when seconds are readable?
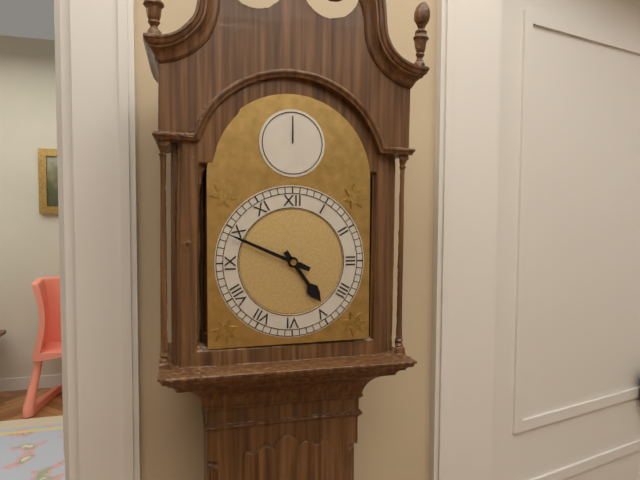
4.49
